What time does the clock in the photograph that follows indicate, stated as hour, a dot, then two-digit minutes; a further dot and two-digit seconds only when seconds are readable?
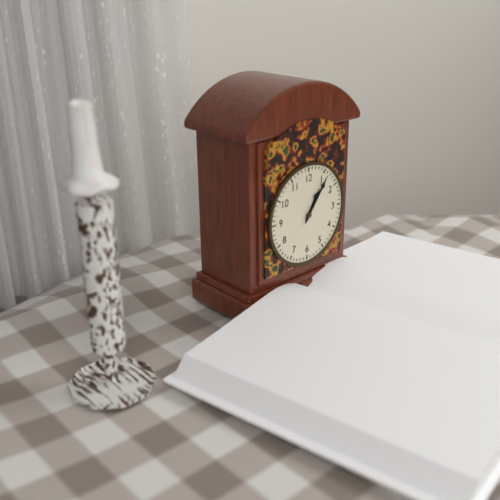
1.06
